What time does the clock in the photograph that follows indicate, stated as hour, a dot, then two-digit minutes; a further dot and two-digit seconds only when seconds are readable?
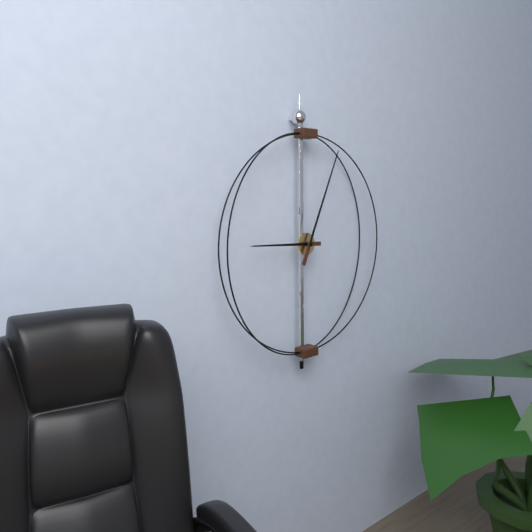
9.04
